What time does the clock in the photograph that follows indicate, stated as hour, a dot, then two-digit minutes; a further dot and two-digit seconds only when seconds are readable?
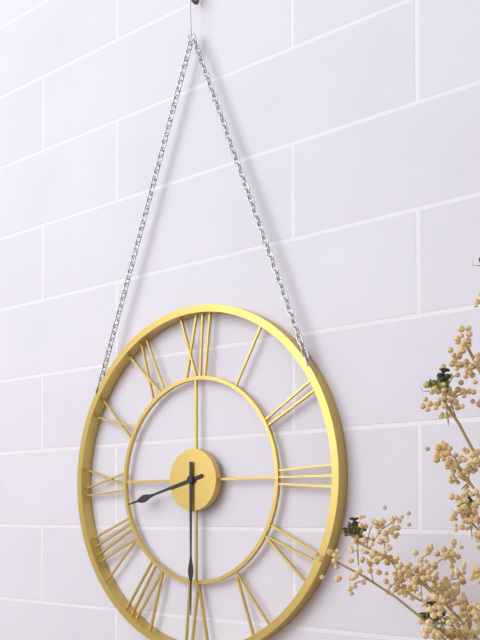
8.30
